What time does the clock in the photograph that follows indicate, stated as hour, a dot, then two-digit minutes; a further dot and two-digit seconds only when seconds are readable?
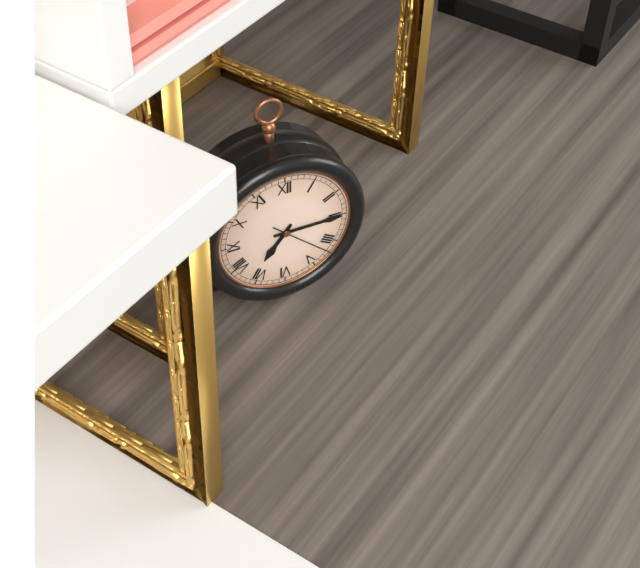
7.15.22
